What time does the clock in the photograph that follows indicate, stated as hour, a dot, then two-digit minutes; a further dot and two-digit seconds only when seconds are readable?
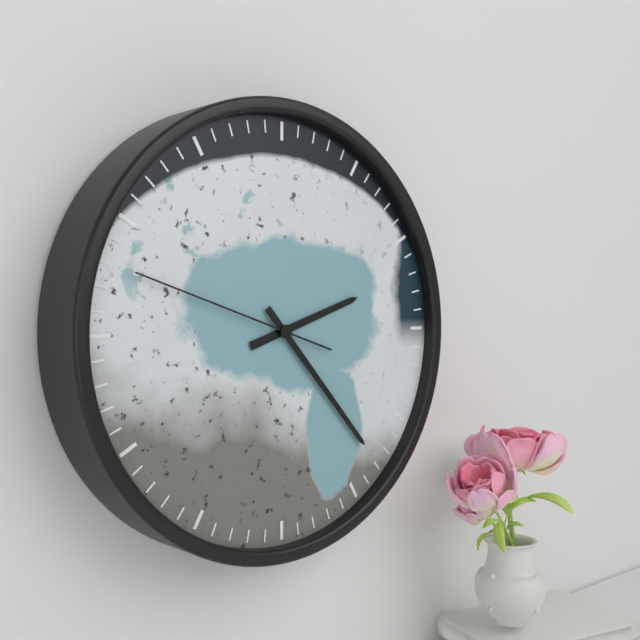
2.23.48
